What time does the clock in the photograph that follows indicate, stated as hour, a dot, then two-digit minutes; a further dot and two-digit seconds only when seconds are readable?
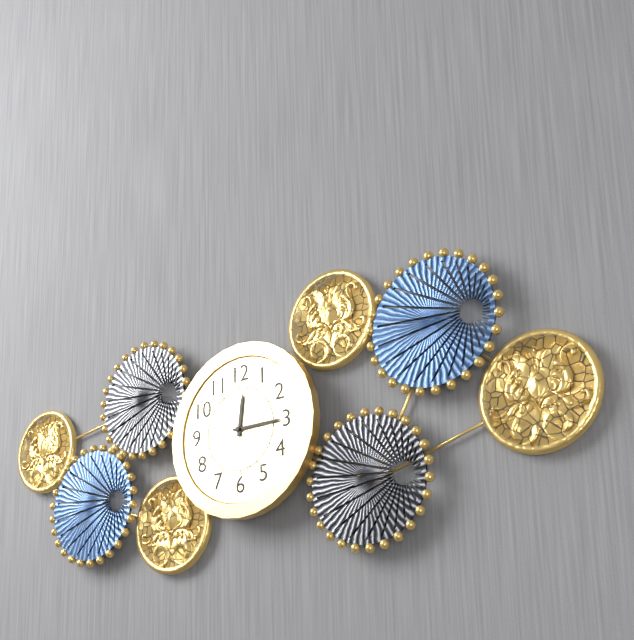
12.15.54
